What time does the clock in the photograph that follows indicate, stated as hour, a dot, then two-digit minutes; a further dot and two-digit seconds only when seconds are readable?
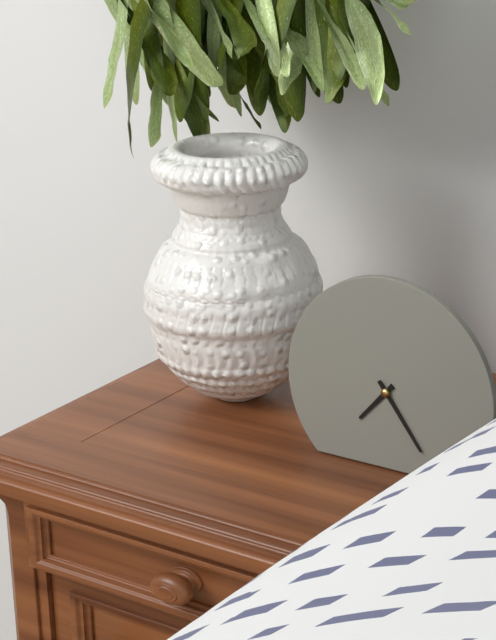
7.24
